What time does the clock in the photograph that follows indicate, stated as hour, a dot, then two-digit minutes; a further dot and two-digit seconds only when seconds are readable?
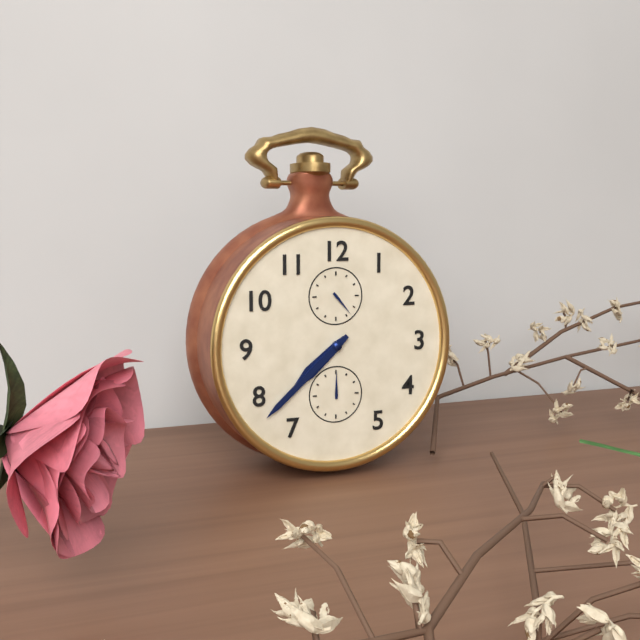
7.38
